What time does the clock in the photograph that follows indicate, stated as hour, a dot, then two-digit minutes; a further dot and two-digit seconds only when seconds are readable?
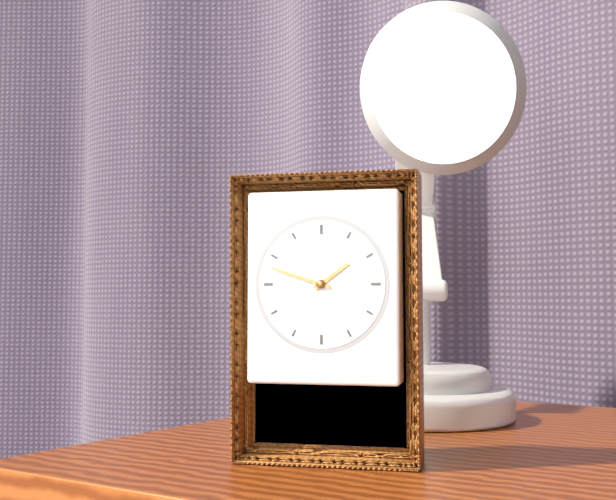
1.48
